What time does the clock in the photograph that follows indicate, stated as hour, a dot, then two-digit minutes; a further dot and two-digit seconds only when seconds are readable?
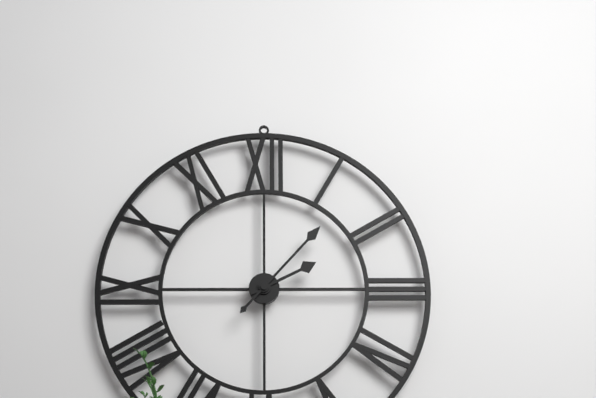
2.07
